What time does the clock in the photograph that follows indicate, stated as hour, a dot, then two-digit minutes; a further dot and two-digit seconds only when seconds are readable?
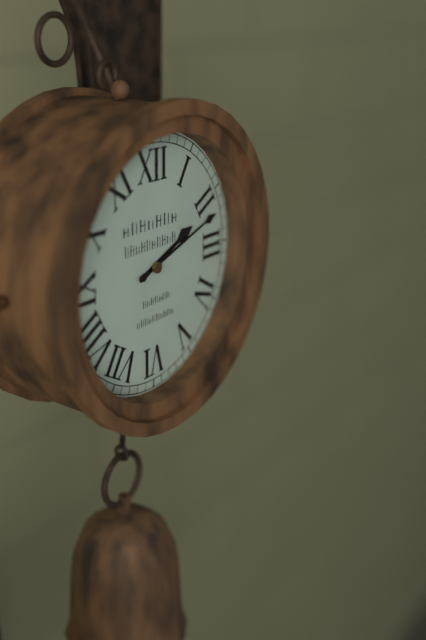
2.12
